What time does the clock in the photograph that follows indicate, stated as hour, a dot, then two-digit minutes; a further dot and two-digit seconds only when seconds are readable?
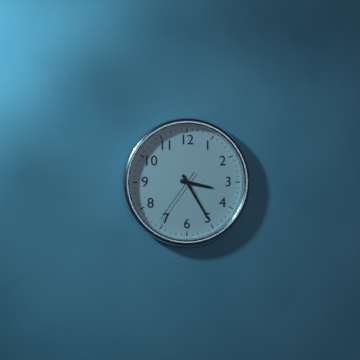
3.25.36
